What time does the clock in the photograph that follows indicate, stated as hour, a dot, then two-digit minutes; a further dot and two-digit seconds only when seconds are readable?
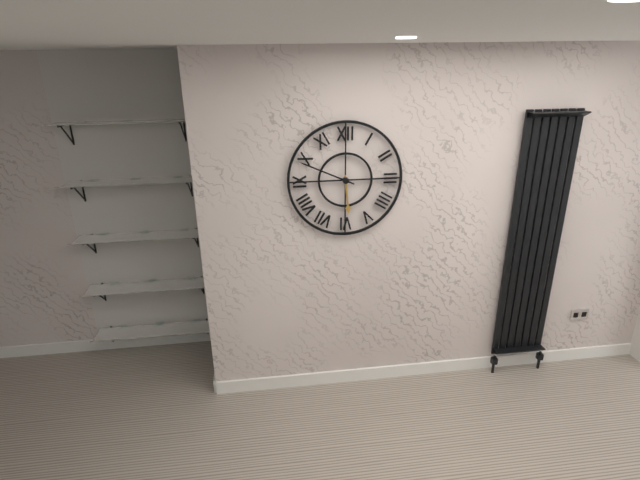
5.49
